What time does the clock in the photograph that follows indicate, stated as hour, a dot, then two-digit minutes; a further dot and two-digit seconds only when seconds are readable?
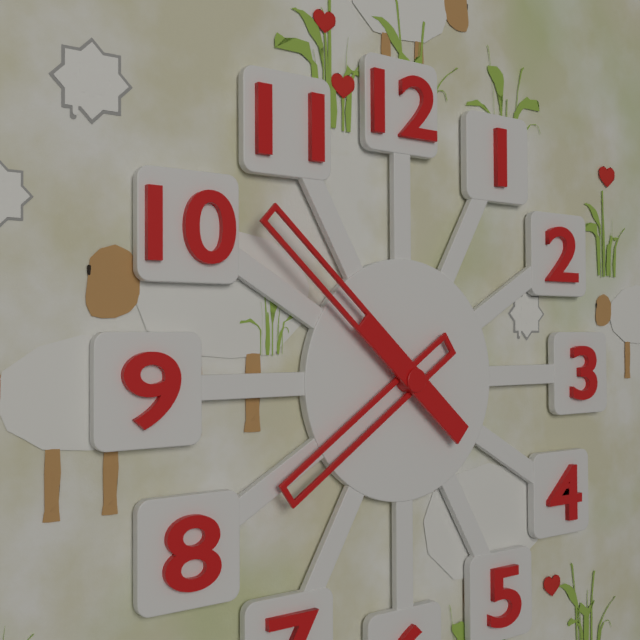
7.52
